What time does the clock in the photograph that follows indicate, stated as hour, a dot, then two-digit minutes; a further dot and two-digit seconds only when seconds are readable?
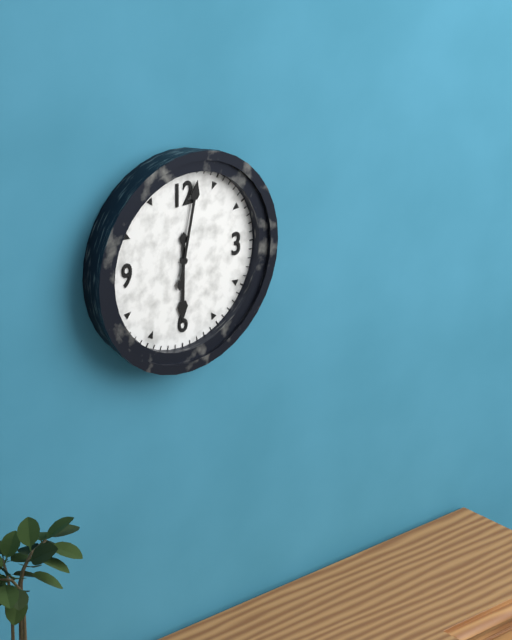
6.02
